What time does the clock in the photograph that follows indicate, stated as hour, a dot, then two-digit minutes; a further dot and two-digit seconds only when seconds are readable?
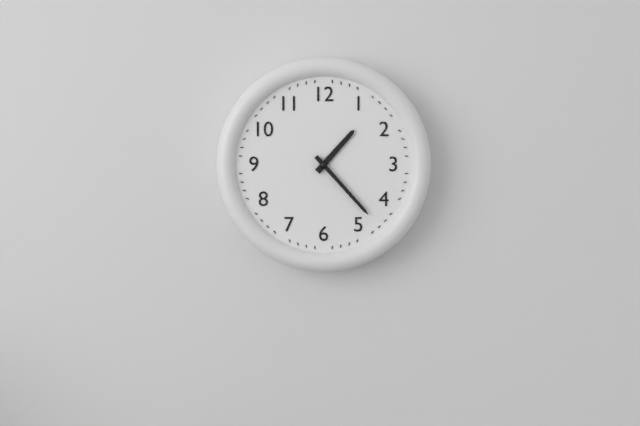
1.23
